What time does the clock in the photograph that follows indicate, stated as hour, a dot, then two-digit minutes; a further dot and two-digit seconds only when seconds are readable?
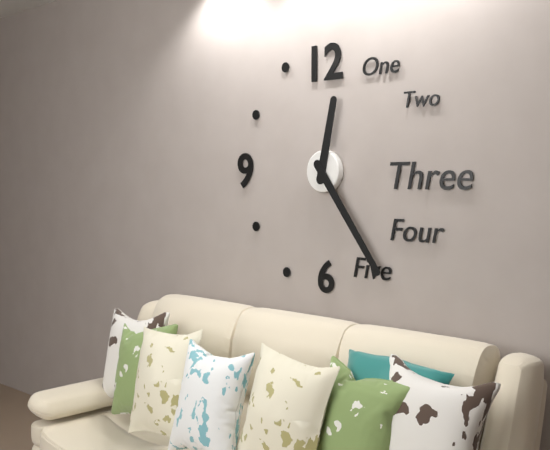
12.24
